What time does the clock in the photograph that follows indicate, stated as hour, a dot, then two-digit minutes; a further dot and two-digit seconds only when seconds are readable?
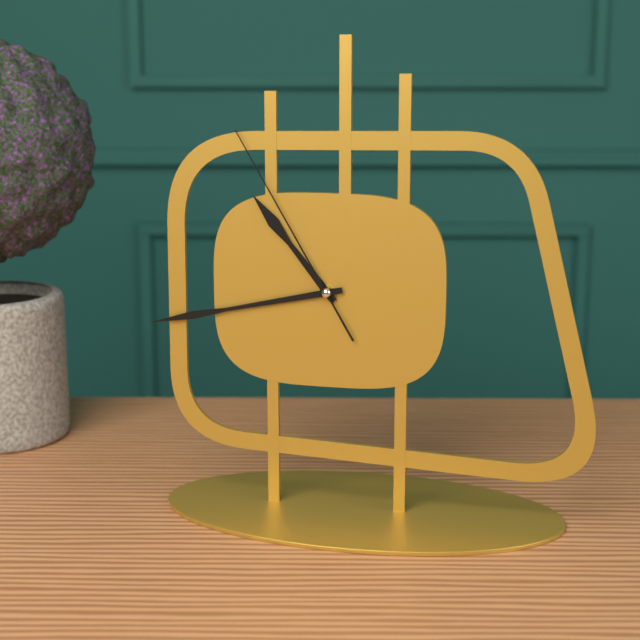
10.43.55
